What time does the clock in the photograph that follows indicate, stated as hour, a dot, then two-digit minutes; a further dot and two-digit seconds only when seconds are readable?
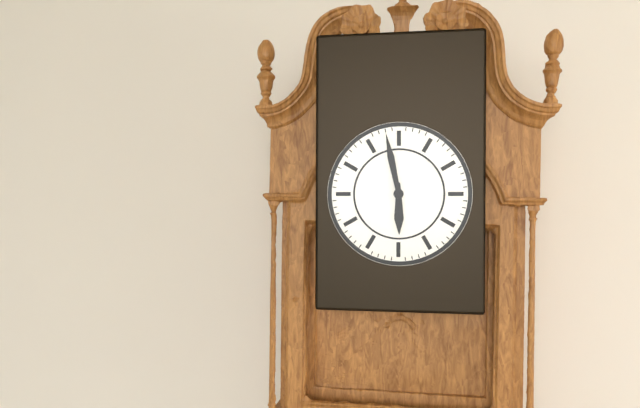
5.58
